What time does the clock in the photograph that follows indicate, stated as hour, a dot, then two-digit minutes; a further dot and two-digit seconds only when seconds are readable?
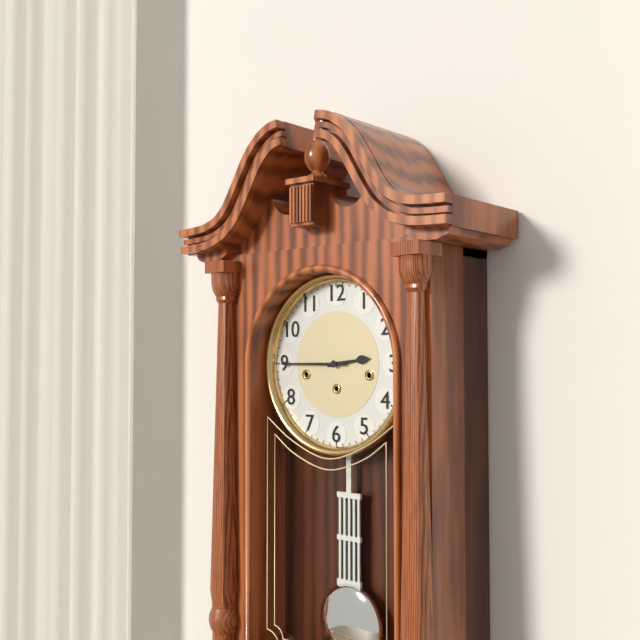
2.45
